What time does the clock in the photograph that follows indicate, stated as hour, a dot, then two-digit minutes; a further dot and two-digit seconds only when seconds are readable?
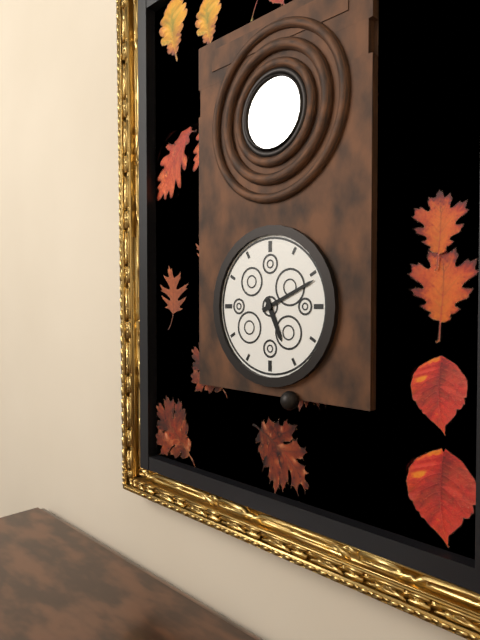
5.11
